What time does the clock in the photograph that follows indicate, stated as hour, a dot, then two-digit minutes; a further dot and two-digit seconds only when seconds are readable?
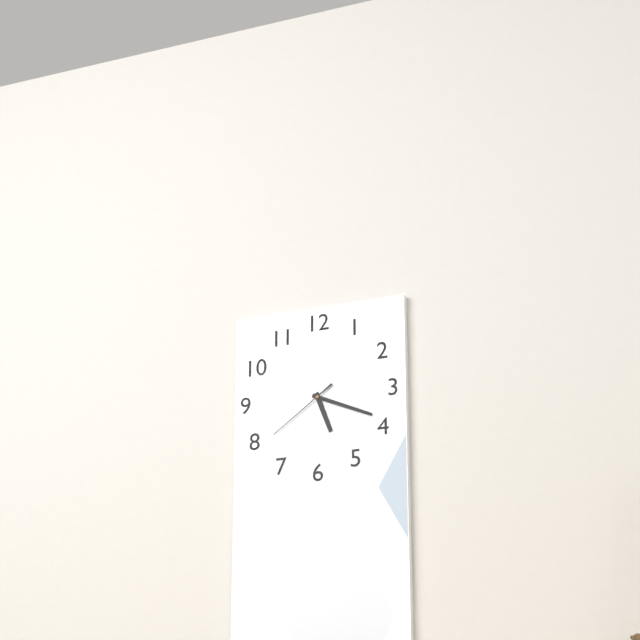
5.19.39
